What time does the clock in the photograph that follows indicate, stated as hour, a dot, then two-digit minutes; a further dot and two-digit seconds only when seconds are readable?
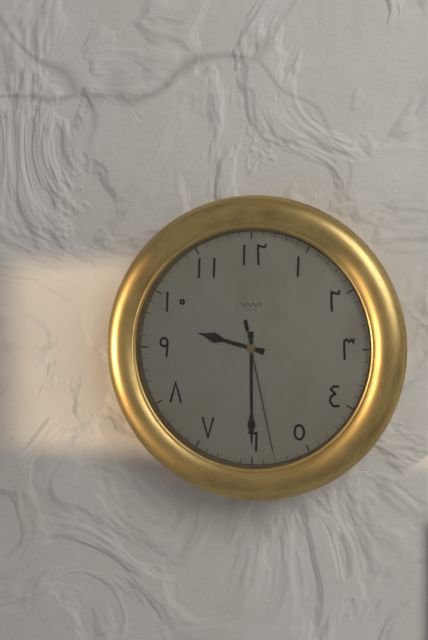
9.30.28
